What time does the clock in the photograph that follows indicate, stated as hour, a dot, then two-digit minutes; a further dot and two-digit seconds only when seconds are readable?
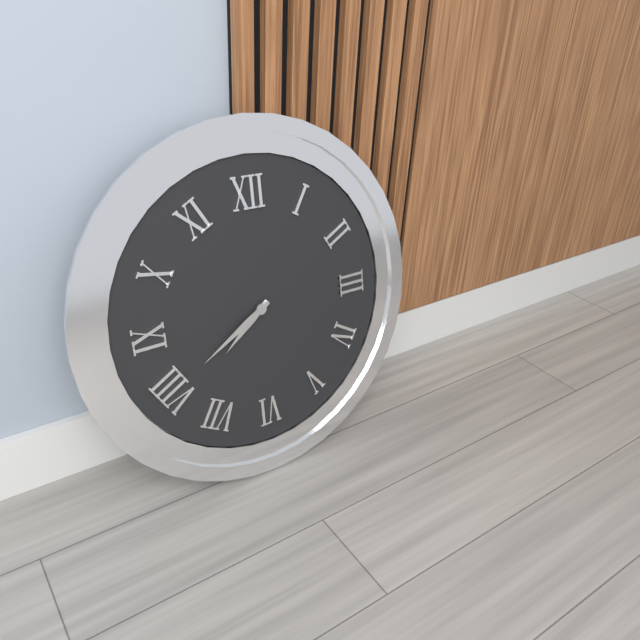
7.40
